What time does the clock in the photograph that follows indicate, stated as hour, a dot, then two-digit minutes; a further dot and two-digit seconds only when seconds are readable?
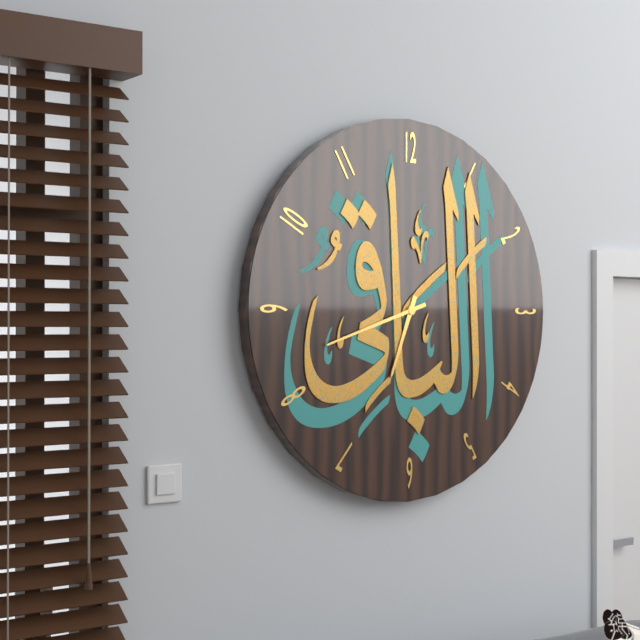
6.42
